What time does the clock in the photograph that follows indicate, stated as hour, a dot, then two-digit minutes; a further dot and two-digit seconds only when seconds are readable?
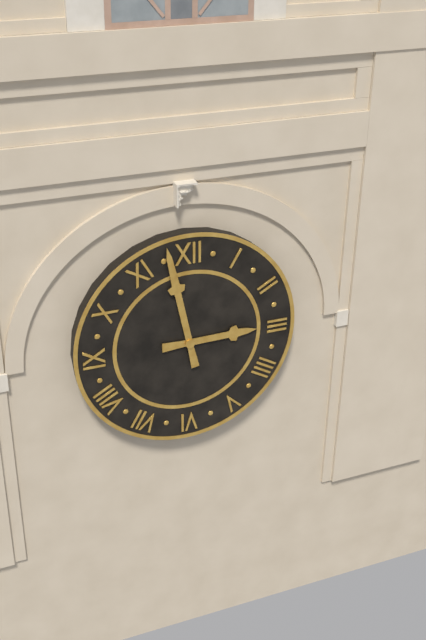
2.58
